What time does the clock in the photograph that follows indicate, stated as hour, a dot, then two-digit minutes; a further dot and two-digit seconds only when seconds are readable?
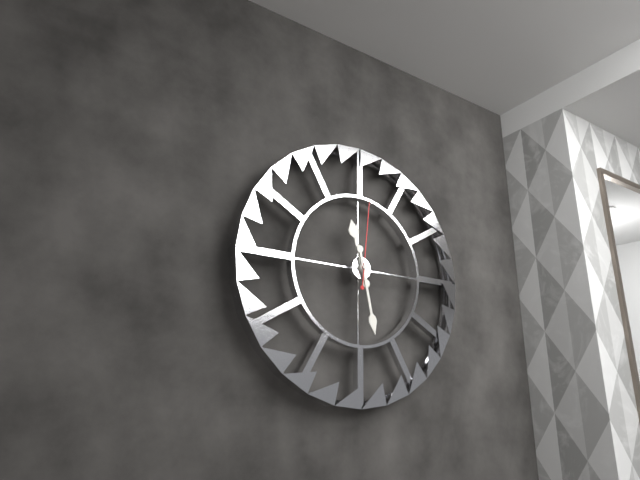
11.28.01
